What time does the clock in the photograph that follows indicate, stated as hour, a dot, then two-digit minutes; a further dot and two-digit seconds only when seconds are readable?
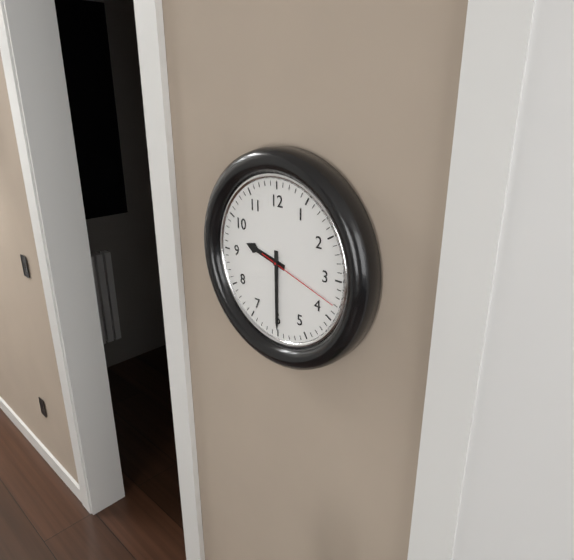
9.30.18
